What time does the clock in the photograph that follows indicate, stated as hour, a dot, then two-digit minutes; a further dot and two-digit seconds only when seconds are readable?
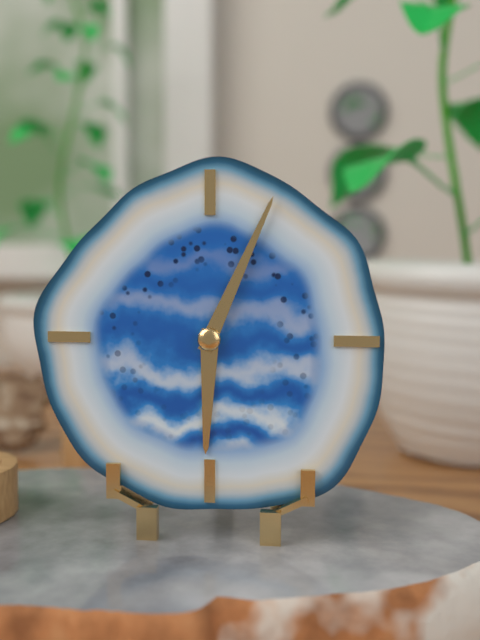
6.04
